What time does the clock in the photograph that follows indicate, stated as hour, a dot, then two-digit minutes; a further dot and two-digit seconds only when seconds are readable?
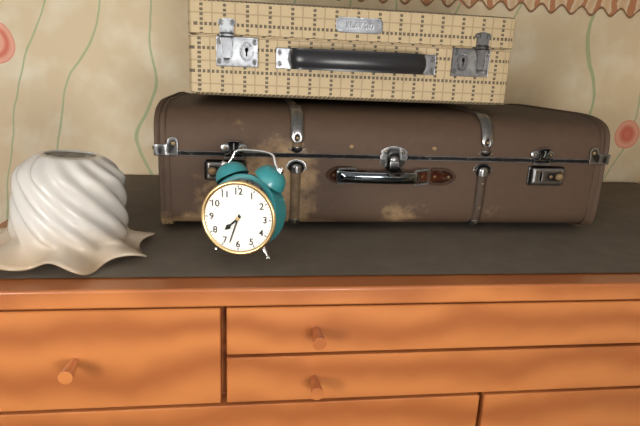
7.33
